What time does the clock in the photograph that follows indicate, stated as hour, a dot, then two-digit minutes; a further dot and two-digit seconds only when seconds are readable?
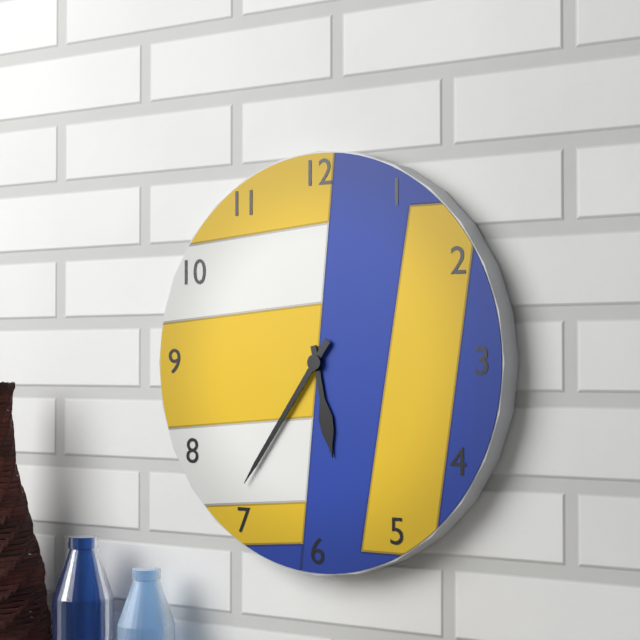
5.36
